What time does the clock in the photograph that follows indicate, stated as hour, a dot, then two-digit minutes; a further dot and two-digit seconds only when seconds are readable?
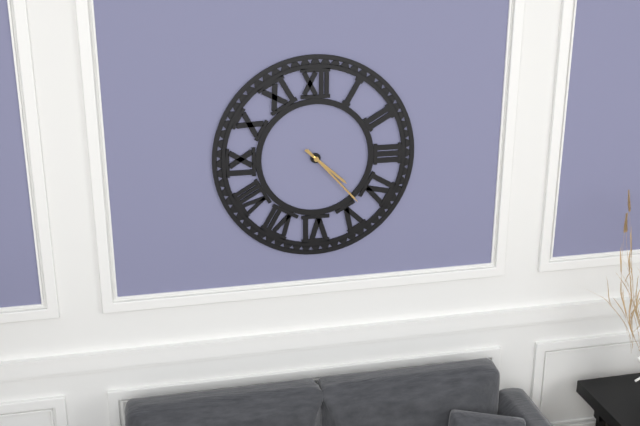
4.23
